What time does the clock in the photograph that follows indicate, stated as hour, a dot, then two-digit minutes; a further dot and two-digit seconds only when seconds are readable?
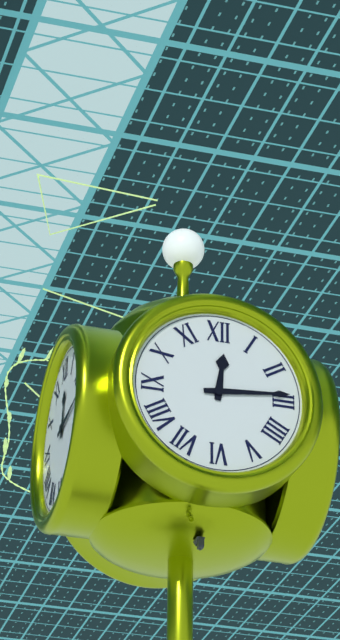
12.14
